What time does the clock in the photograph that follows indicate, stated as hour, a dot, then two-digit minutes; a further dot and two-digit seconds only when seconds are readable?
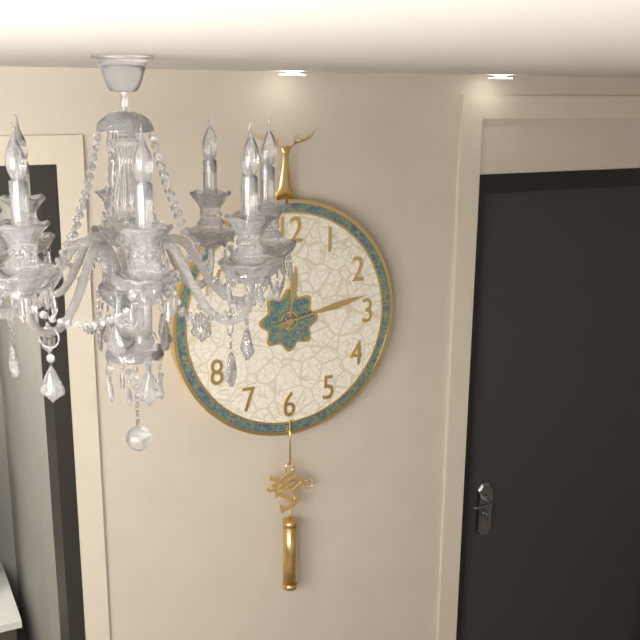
12.13
